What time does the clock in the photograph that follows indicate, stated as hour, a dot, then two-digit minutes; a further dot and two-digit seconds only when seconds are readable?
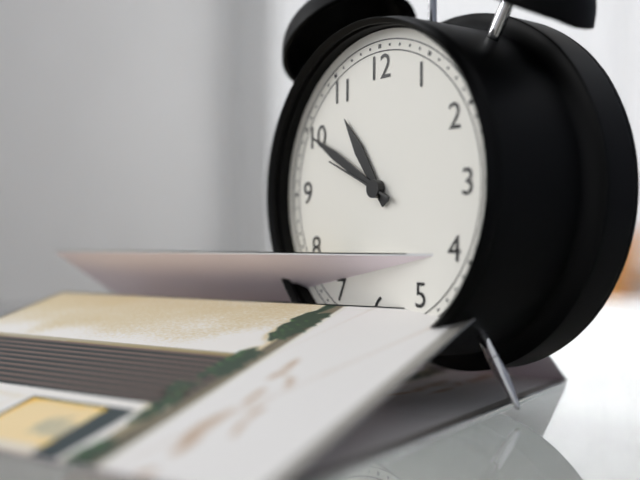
10.50.49
